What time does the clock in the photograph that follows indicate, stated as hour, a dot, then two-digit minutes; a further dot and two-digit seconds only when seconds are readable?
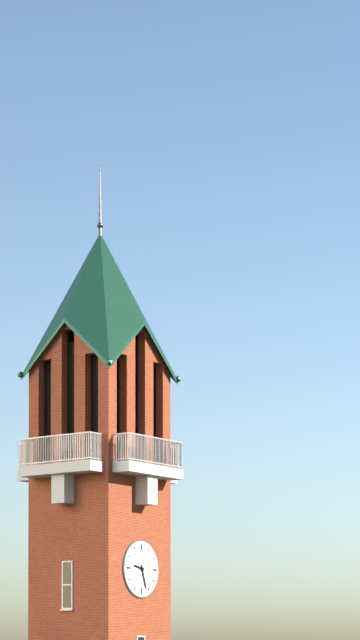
9.27
